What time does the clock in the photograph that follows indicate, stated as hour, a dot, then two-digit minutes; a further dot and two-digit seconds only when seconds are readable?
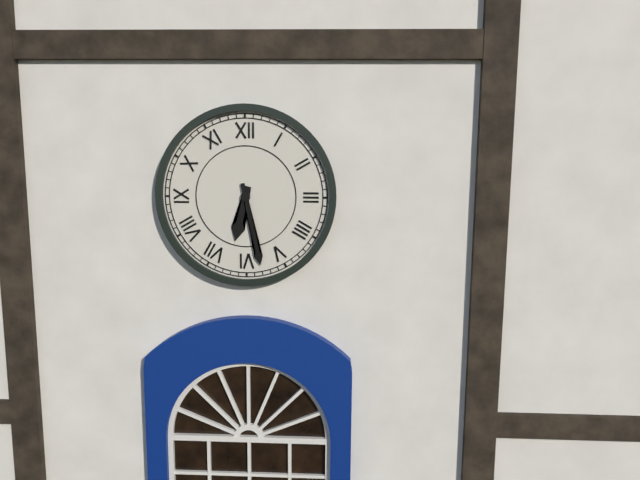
6.28
